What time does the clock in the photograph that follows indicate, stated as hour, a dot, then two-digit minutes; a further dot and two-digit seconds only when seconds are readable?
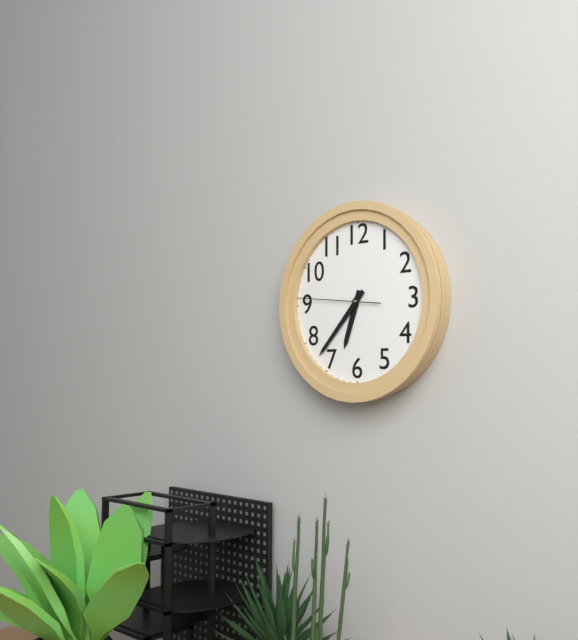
6.37.46
